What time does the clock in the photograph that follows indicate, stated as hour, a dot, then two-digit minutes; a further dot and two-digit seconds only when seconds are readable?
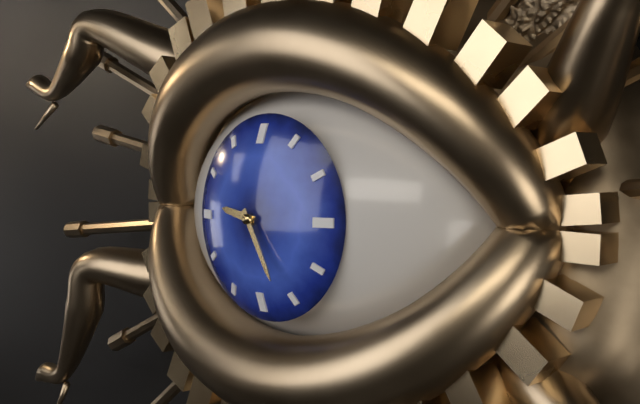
9.25
